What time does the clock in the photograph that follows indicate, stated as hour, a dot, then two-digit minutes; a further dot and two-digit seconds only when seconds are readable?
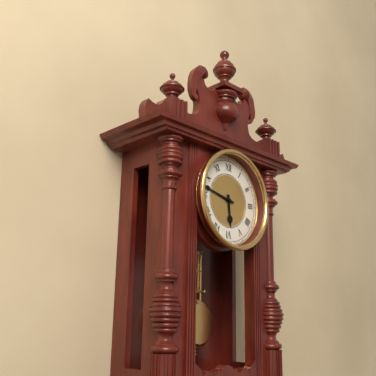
5.47
